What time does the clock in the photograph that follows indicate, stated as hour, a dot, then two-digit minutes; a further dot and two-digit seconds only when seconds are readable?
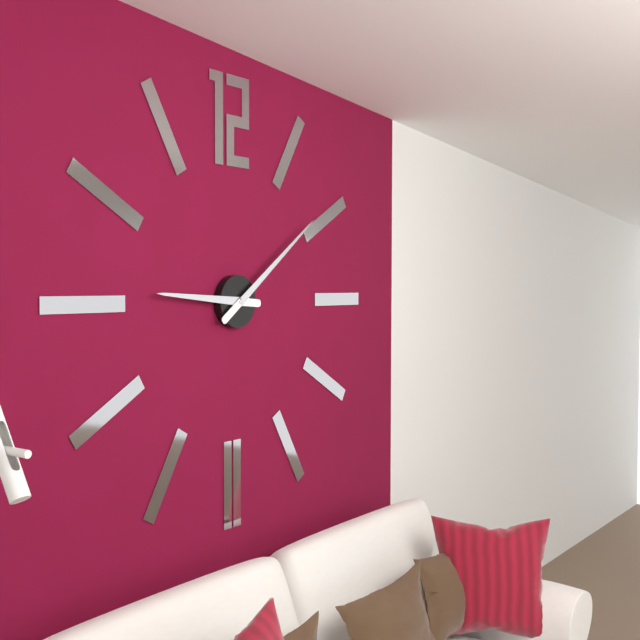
9.09
